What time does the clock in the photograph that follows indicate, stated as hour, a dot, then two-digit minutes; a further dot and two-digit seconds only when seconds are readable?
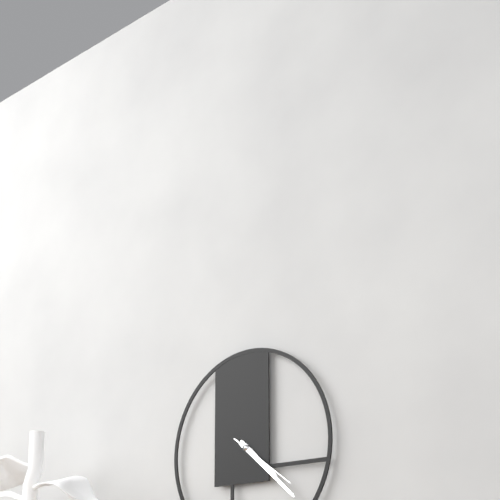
4.22.21
